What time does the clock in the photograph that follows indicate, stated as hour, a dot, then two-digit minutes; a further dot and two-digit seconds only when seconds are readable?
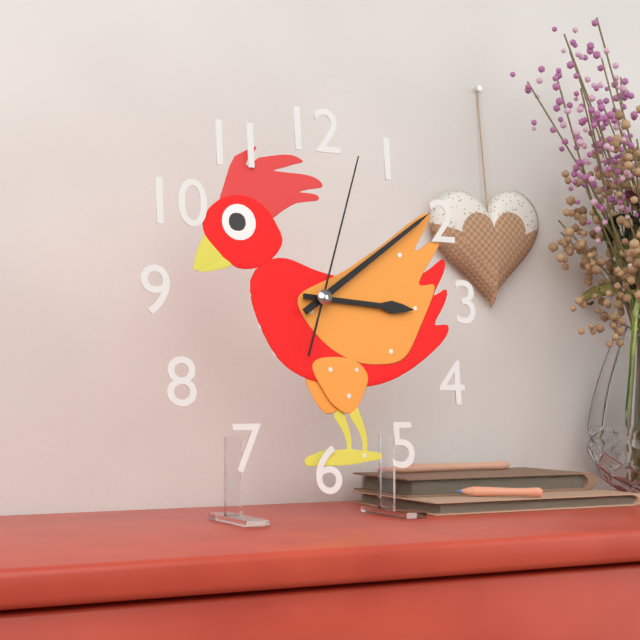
3.09.03
